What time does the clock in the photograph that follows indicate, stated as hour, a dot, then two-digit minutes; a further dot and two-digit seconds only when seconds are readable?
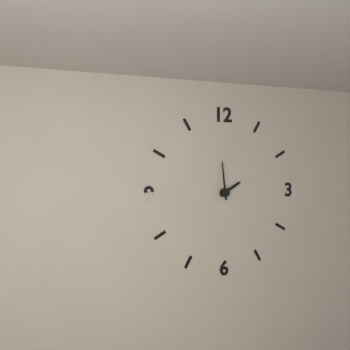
1.59
